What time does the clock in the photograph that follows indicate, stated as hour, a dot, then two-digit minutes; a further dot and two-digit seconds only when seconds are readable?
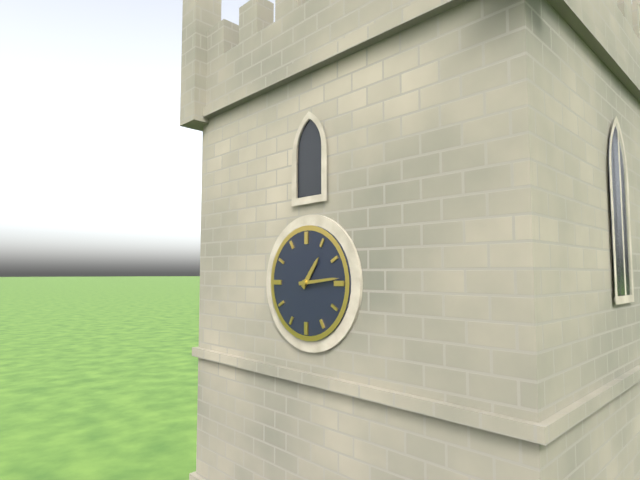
1.14
